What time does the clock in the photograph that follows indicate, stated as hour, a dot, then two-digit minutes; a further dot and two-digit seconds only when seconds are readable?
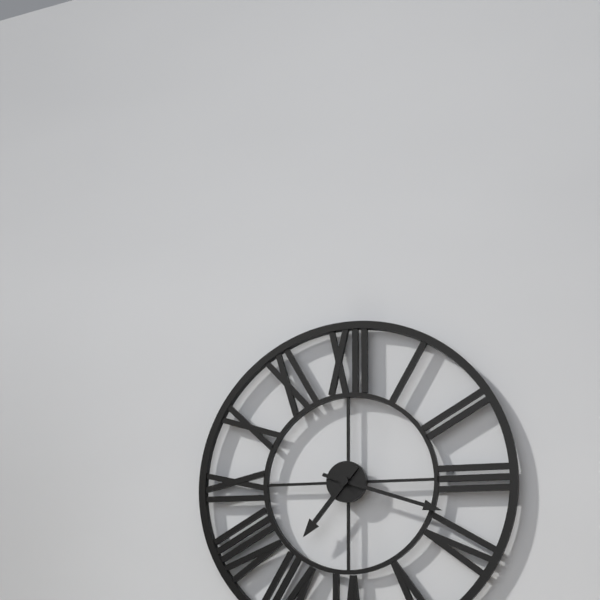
7.18
